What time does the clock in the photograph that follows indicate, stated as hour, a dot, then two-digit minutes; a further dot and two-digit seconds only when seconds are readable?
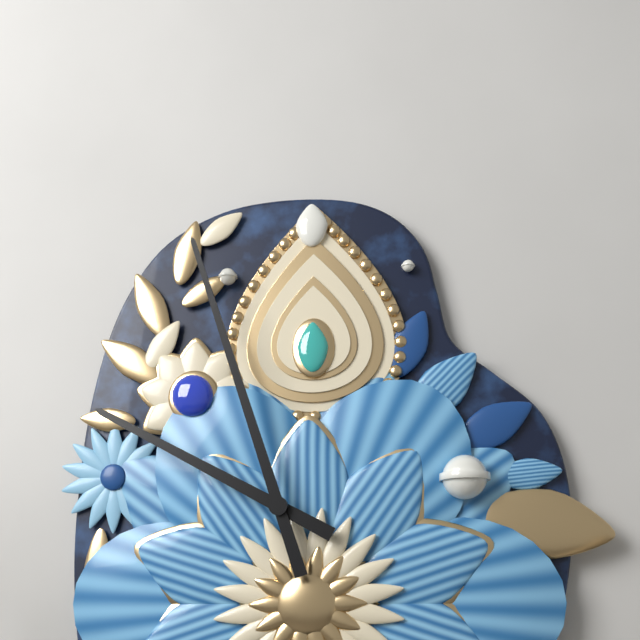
9.57
